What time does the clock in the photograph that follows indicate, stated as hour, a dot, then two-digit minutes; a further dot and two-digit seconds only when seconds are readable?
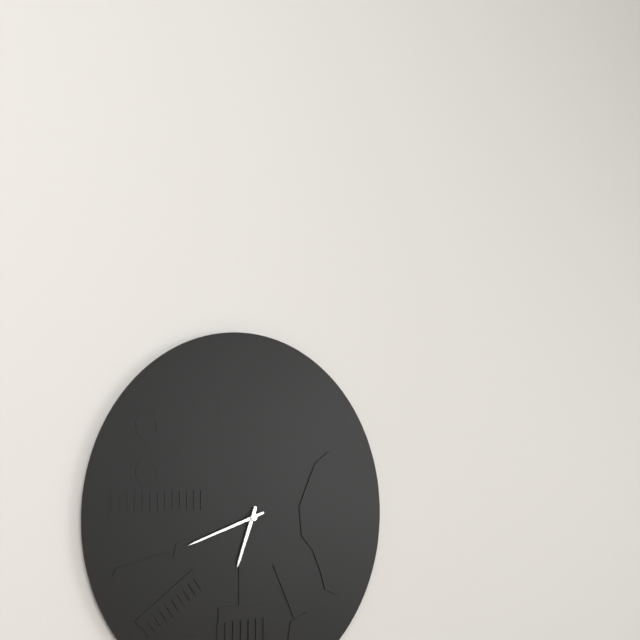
6.42
